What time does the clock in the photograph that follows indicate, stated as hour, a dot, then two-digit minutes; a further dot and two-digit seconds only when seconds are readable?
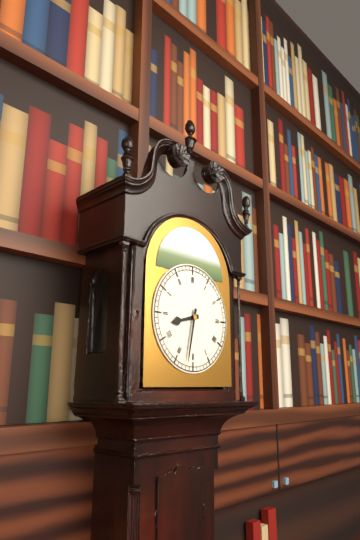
8.32
